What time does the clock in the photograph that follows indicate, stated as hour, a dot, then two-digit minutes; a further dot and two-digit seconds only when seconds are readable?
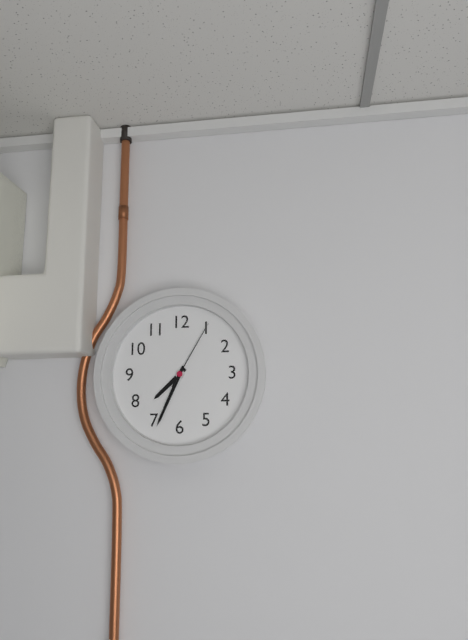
7.34.05
